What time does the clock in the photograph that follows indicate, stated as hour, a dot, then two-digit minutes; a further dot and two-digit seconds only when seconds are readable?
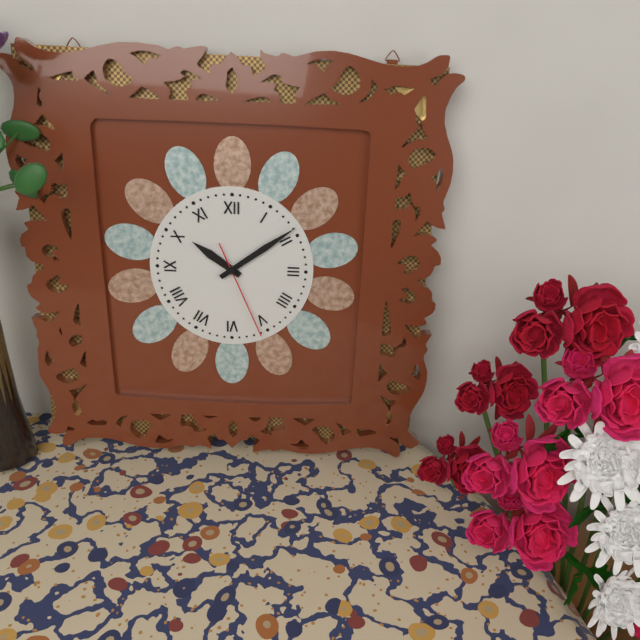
10.09.26
